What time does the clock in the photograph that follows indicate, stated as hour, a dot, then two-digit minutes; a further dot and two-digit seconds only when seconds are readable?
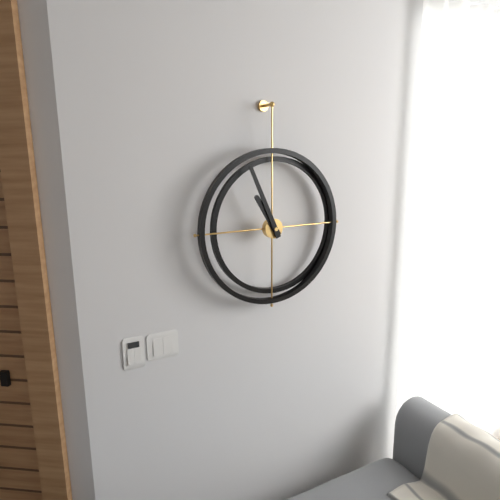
10.56
